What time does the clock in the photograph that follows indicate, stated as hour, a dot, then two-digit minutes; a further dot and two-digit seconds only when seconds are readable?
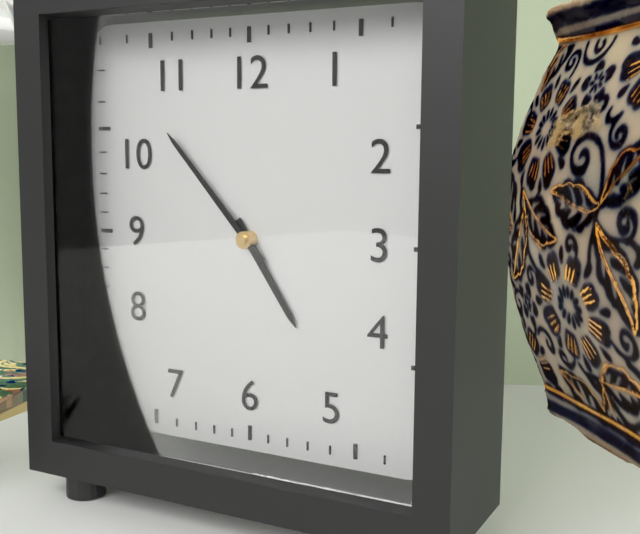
4.53
